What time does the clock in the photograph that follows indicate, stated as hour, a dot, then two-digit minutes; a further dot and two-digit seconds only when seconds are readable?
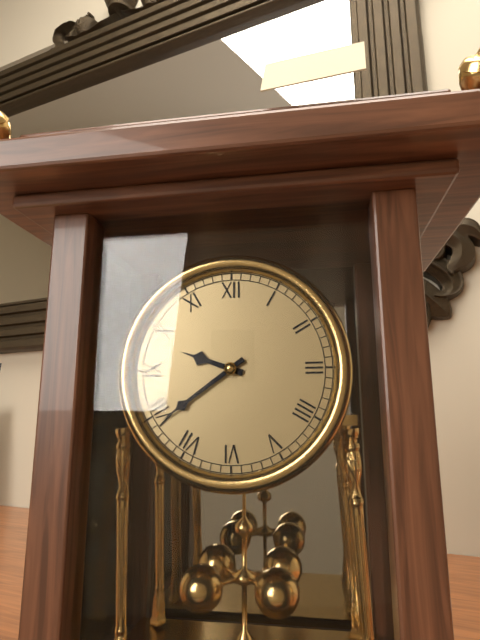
9.39
